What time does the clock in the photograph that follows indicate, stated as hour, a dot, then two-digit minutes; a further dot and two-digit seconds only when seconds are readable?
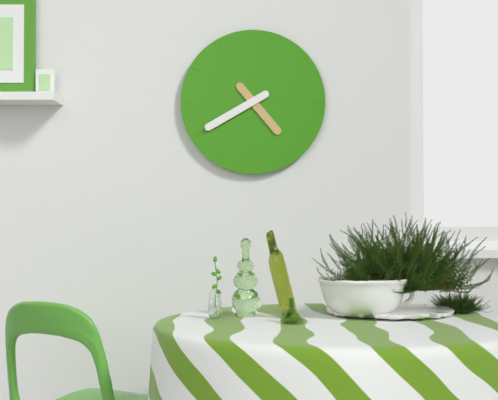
4.40
